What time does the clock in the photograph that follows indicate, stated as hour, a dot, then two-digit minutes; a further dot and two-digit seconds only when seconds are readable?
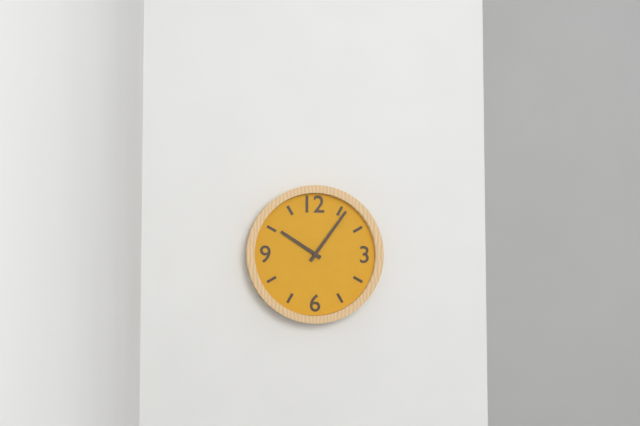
10.06
